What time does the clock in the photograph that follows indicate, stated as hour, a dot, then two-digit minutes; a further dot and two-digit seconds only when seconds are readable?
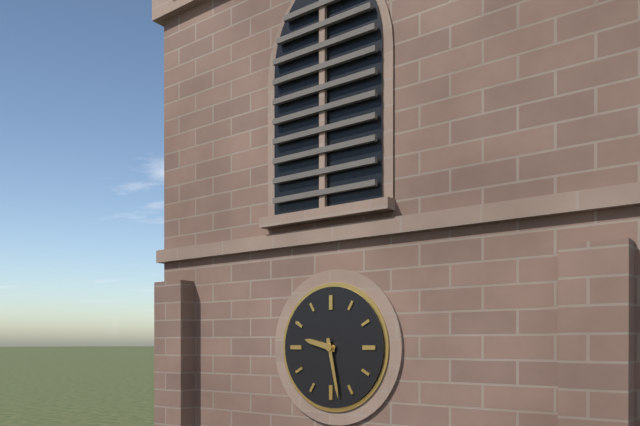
9.28
